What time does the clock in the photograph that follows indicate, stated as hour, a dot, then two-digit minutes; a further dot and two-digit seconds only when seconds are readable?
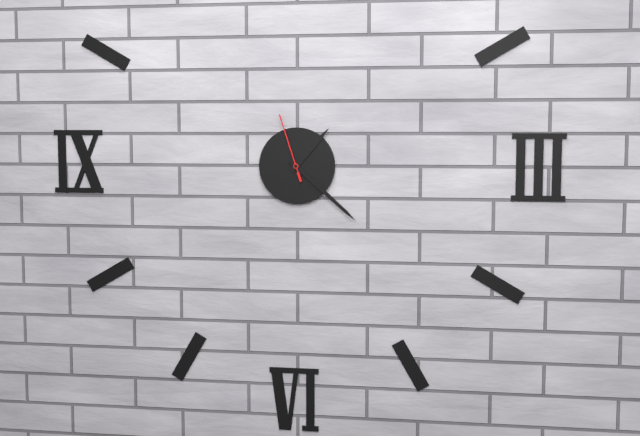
1.22.57
